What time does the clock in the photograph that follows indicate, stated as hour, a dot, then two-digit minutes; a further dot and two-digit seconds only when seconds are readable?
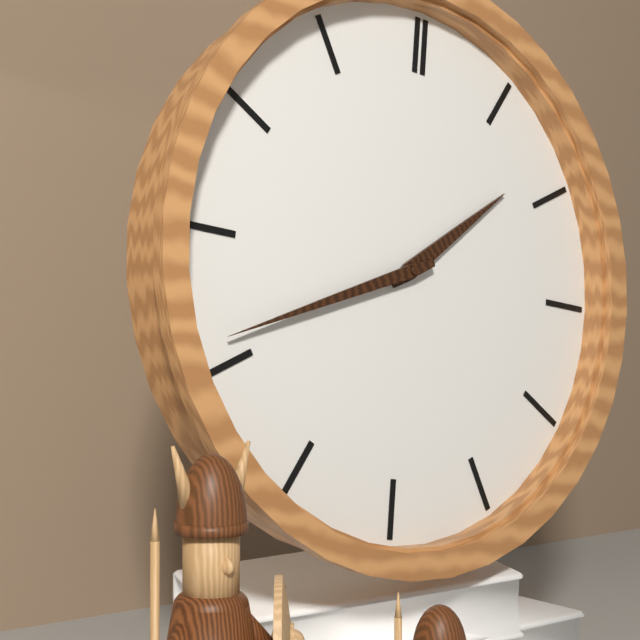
1.41
